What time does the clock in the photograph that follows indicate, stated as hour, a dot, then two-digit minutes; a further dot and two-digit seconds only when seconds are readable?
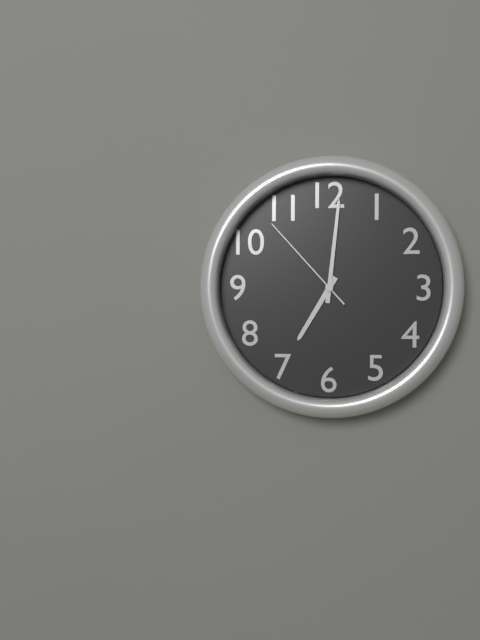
7.01.53
